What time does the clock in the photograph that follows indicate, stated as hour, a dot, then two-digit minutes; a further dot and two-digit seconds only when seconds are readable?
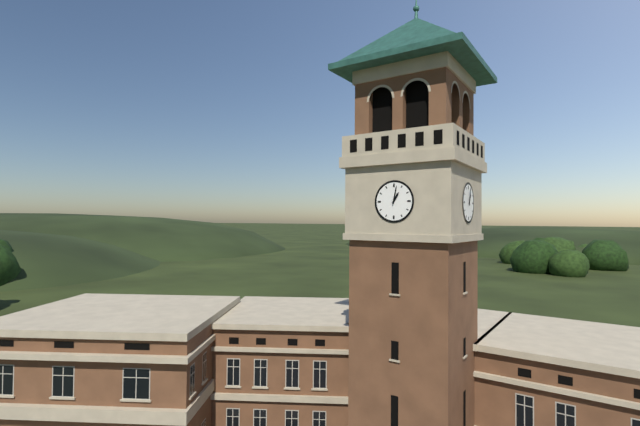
1.02
